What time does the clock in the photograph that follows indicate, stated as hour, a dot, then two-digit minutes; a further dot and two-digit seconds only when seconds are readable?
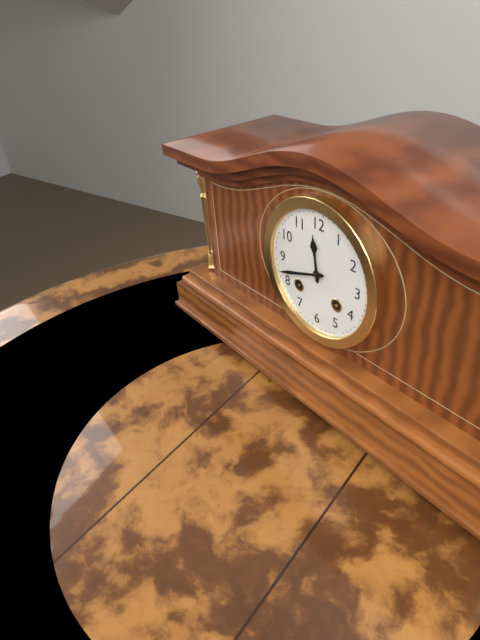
11.42
